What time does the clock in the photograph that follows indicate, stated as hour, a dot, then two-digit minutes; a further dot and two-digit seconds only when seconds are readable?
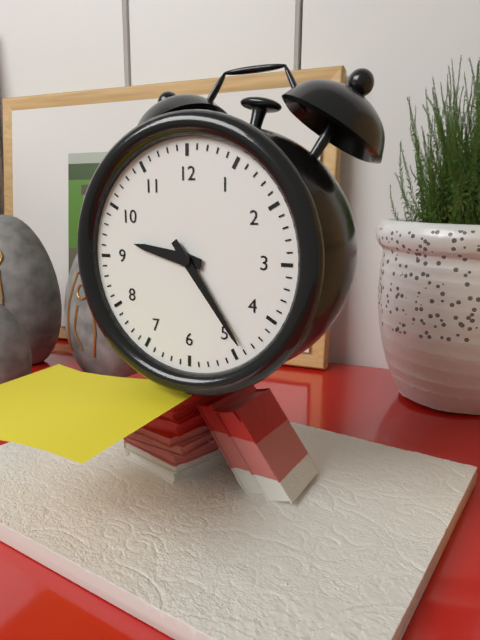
9.24
